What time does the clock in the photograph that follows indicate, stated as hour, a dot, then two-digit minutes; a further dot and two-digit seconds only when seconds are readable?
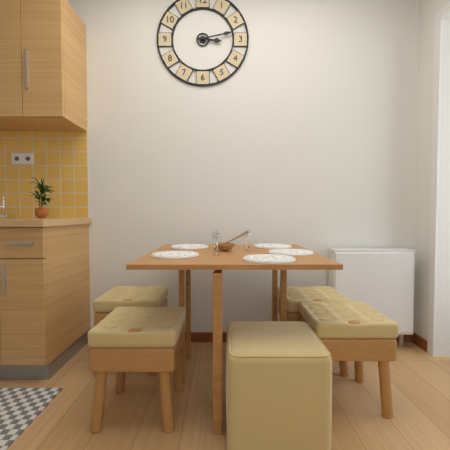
3.13
